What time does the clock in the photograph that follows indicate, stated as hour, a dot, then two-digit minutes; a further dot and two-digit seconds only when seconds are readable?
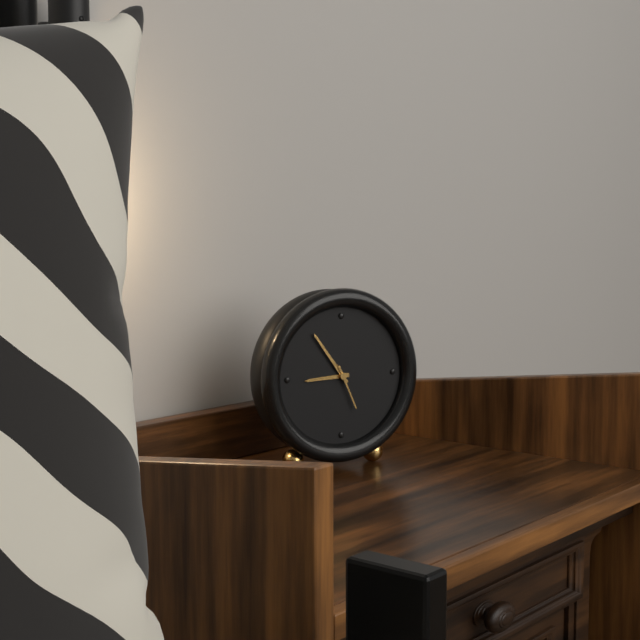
8.54
